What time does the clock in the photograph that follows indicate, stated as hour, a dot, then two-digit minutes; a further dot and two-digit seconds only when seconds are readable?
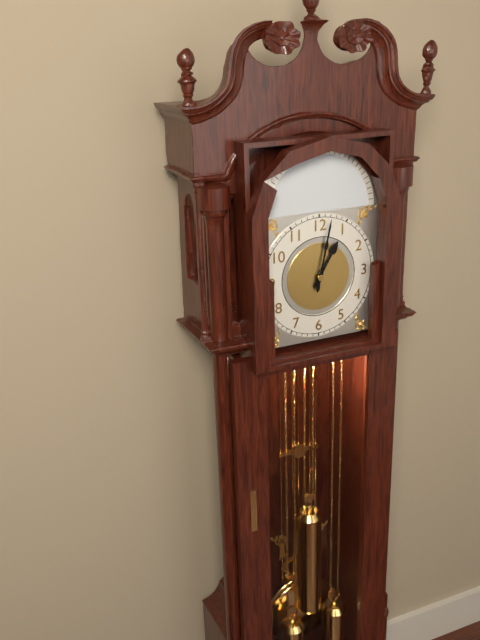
1.02
